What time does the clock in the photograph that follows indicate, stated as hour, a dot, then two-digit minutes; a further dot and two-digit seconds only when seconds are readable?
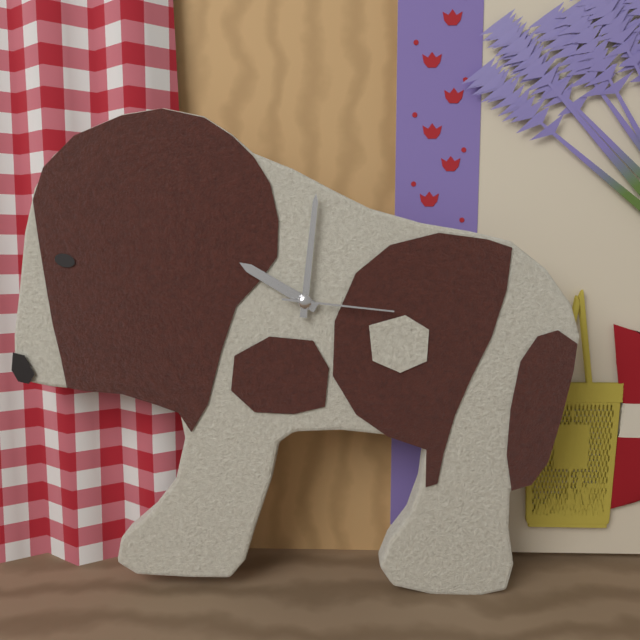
10.01.16
